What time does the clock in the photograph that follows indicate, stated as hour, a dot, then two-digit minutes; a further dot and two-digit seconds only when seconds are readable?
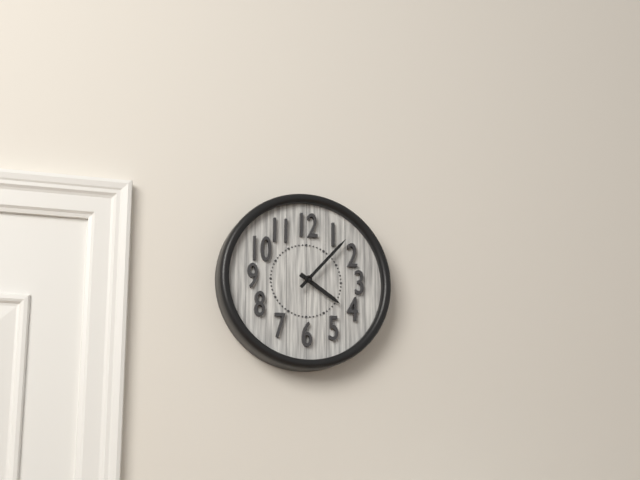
4.07
